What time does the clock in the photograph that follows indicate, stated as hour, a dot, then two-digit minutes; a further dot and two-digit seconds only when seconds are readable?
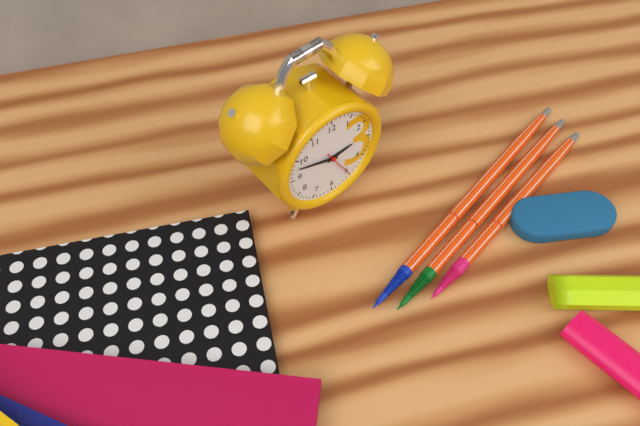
2.48
